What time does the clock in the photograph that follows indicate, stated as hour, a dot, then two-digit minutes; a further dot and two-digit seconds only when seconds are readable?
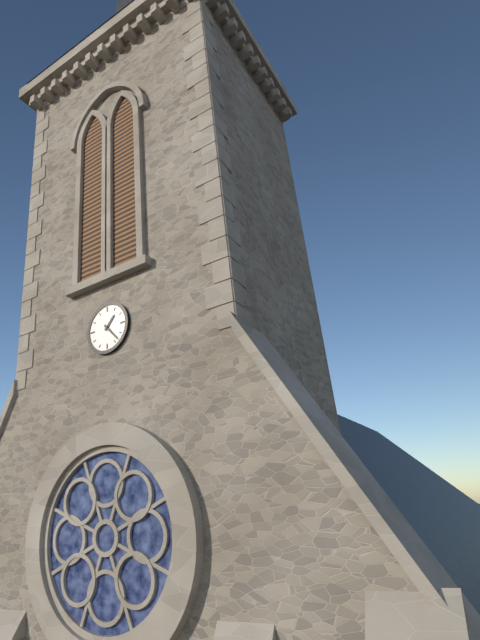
1.23
